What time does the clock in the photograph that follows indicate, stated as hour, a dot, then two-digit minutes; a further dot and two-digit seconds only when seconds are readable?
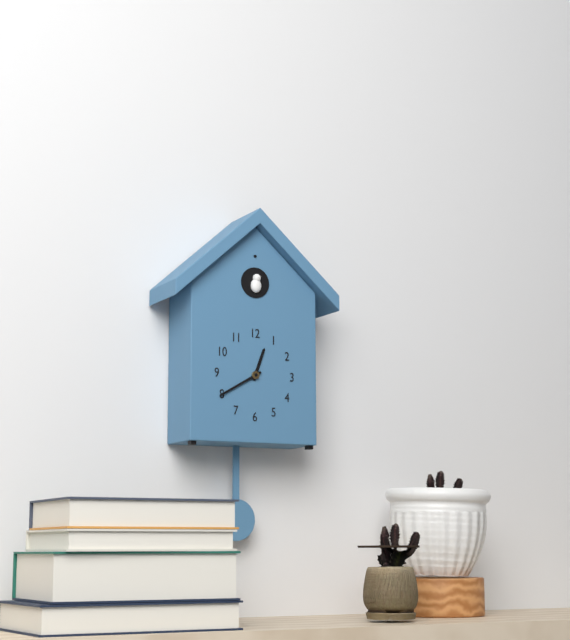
12.40
